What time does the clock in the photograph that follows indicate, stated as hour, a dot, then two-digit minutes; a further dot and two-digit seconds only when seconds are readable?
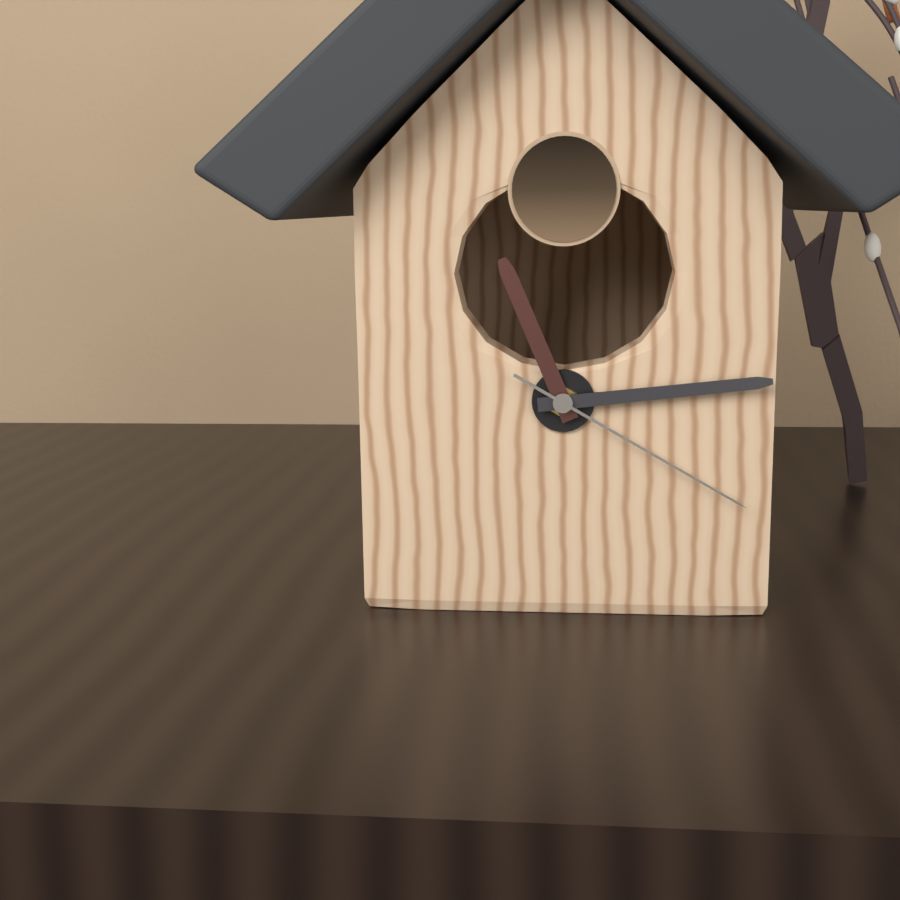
11.14.20
